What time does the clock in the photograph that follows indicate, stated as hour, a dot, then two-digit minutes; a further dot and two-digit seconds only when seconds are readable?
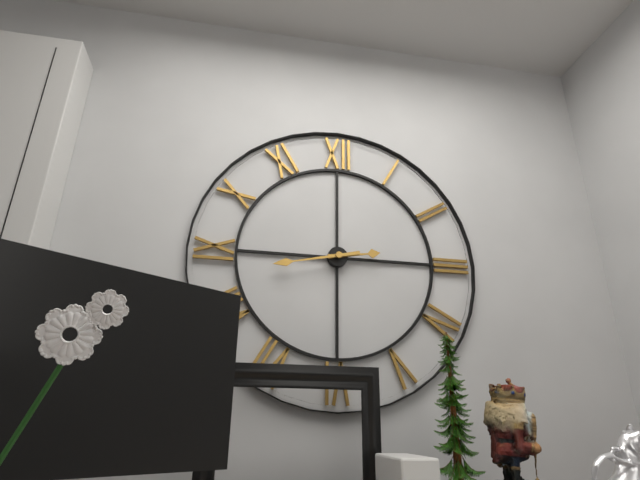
2.43
